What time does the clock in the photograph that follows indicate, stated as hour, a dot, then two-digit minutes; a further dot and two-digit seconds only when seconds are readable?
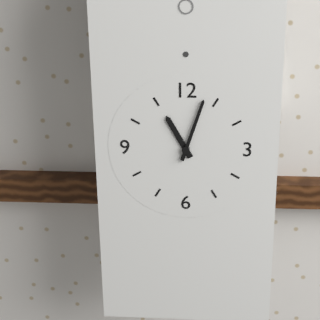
11.03
